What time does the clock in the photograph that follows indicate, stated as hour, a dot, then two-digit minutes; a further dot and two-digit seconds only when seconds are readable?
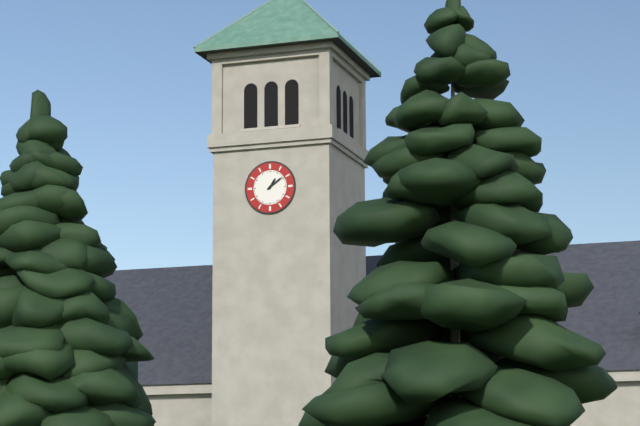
1.09
